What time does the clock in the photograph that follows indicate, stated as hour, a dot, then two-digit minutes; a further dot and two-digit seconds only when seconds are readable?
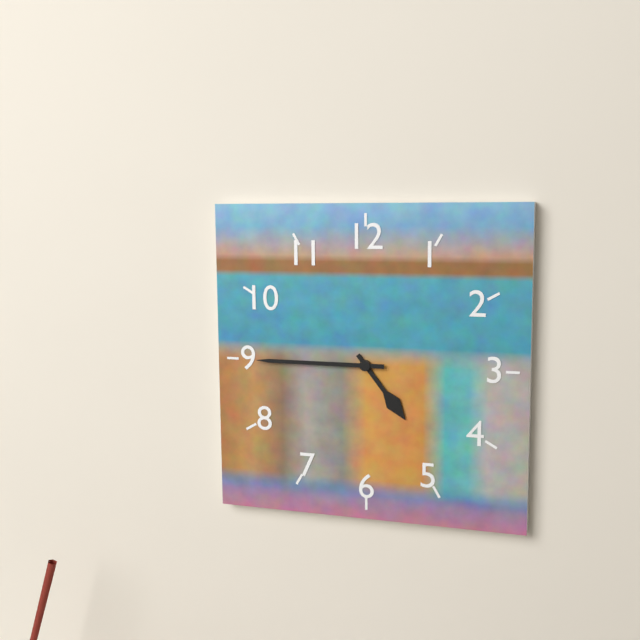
4.45
